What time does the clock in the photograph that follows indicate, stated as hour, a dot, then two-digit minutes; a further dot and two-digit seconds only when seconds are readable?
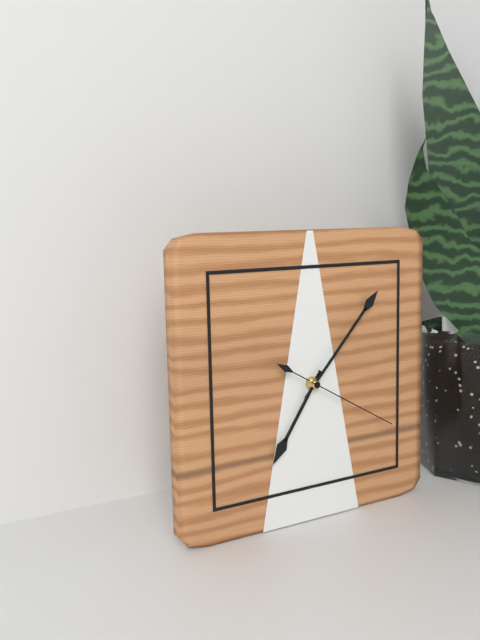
7.07.20
